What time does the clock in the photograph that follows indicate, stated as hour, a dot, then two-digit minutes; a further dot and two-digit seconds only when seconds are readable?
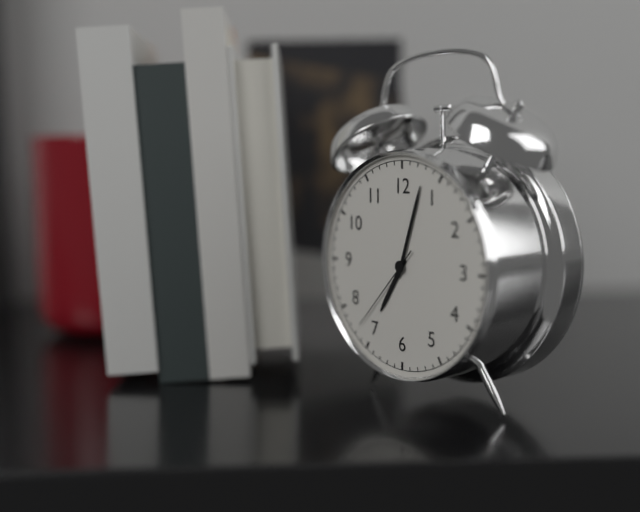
7.03.37
